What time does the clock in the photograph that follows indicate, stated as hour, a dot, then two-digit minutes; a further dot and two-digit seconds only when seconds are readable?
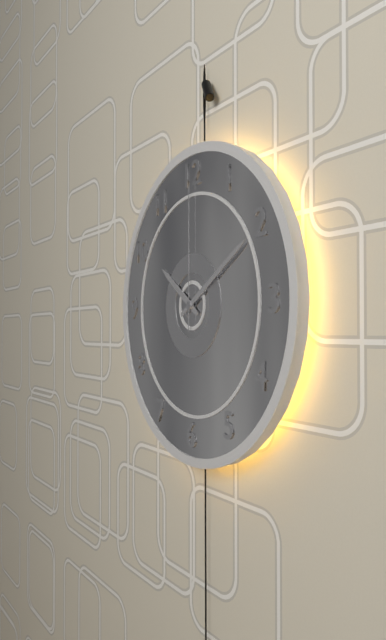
10.10.00
